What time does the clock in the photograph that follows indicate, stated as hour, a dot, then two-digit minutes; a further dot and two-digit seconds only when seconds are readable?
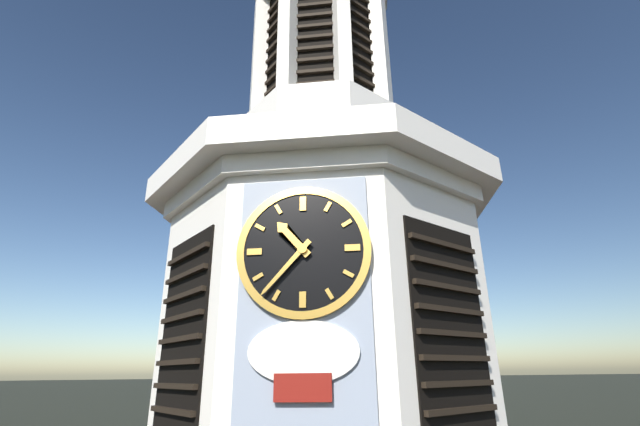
10.37
